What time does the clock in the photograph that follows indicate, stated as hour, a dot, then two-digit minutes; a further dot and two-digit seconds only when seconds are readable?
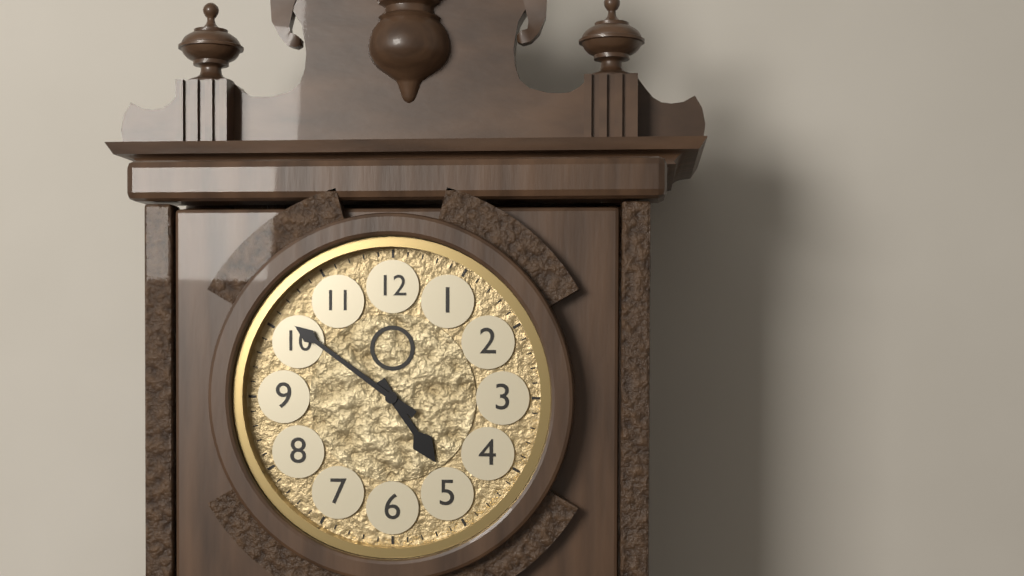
4.51
